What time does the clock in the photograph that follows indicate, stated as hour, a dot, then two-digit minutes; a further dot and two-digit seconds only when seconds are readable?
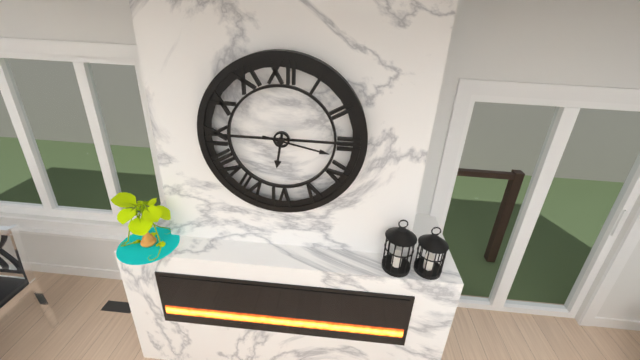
6.17
